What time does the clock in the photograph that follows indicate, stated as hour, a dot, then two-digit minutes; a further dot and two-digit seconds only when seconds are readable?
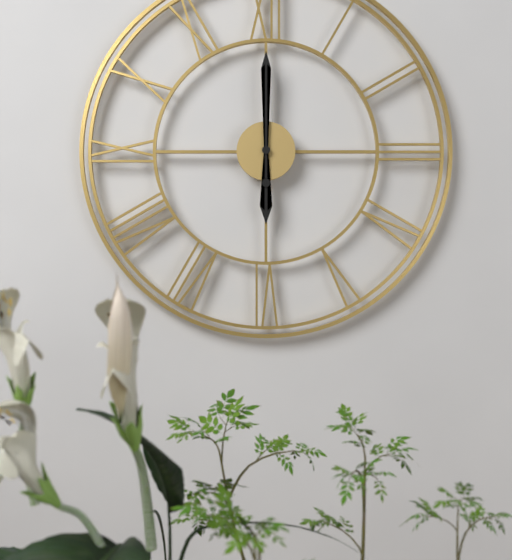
6.00
